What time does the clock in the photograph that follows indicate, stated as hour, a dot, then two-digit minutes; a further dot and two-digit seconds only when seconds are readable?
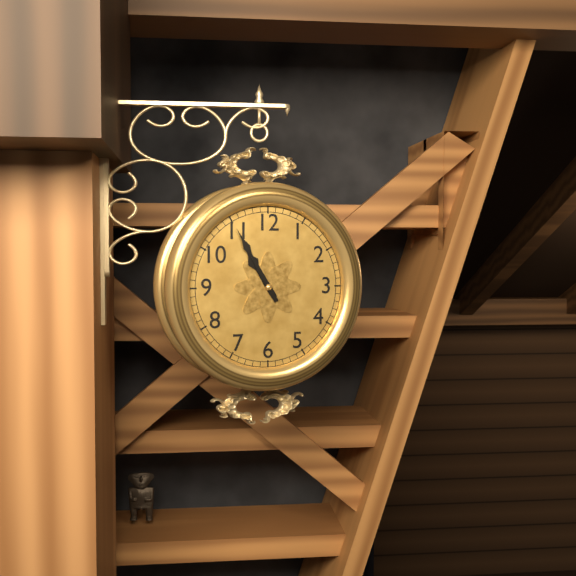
10.55
